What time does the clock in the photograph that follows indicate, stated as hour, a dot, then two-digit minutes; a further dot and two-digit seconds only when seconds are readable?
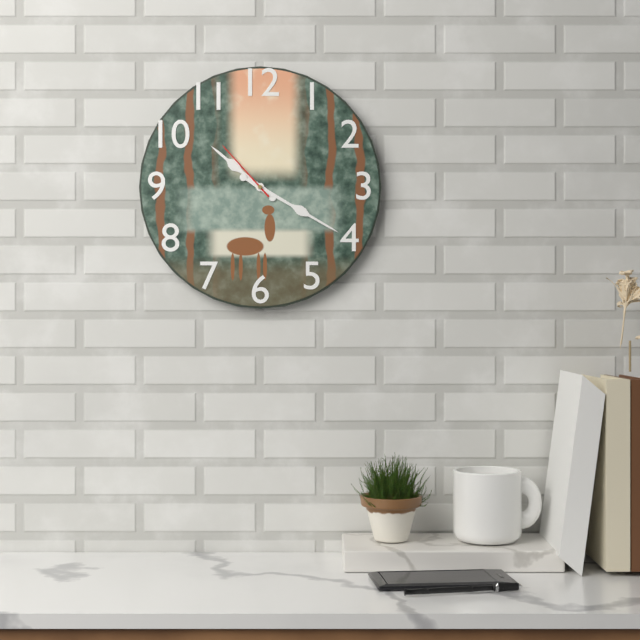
10.20.53
